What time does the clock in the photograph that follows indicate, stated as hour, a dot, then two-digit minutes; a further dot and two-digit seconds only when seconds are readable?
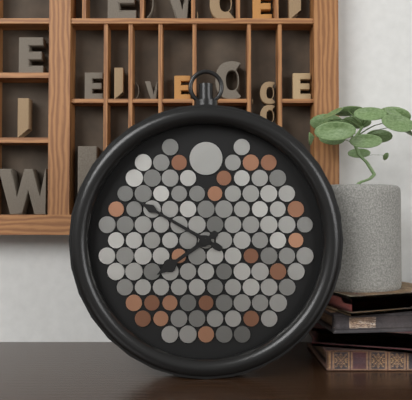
7.50
